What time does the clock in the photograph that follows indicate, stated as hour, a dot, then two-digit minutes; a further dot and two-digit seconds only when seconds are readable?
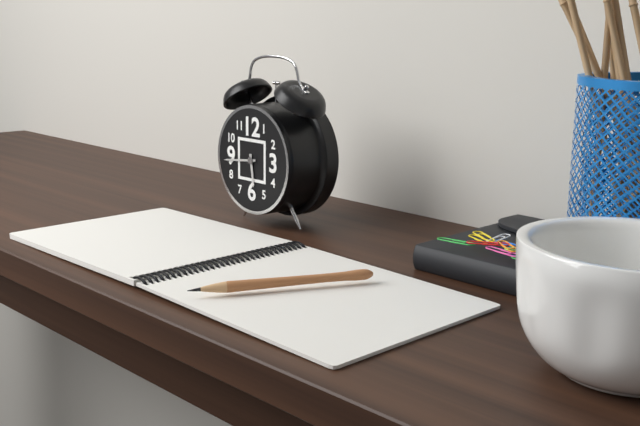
5.44
